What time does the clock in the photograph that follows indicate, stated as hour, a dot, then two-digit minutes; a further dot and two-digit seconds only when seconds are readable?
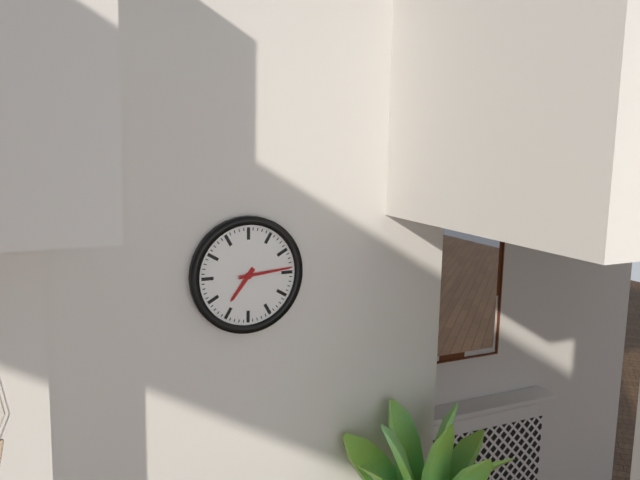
7.14
